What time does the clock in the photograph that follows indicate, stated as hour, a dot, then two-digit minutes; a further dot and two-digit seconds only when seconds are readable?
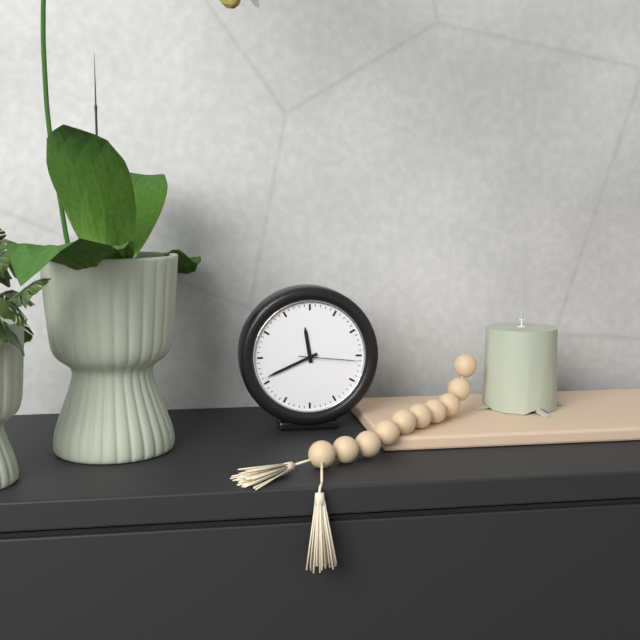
11.41.16
